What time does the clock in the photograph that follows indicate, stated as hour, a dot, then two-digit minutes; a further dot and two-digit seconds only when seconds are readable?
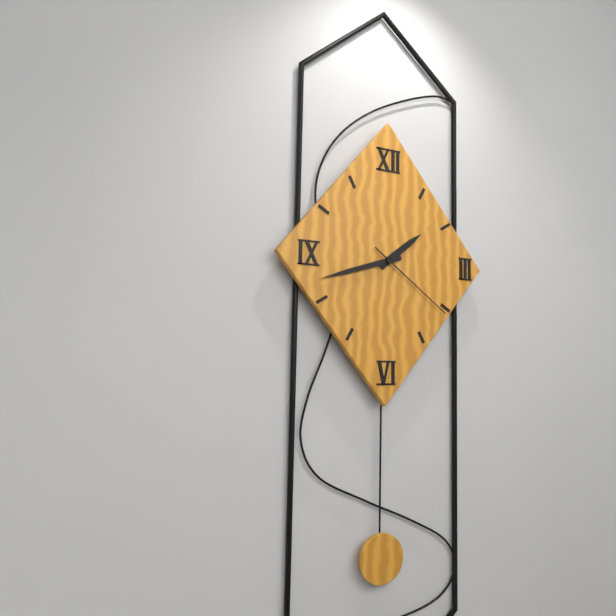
1.42.21
